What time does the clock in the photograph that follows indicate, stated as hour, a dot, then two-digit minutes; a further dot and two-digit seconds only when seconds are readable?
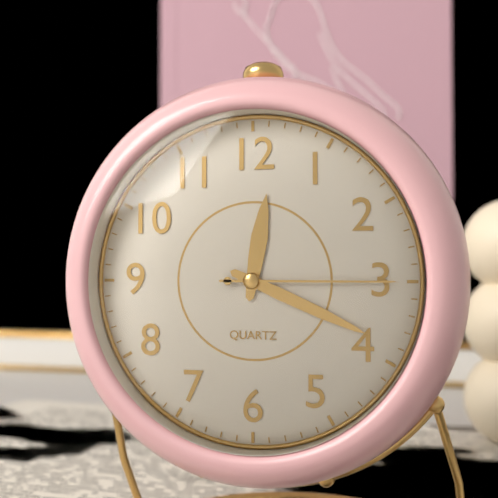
12.19.15
